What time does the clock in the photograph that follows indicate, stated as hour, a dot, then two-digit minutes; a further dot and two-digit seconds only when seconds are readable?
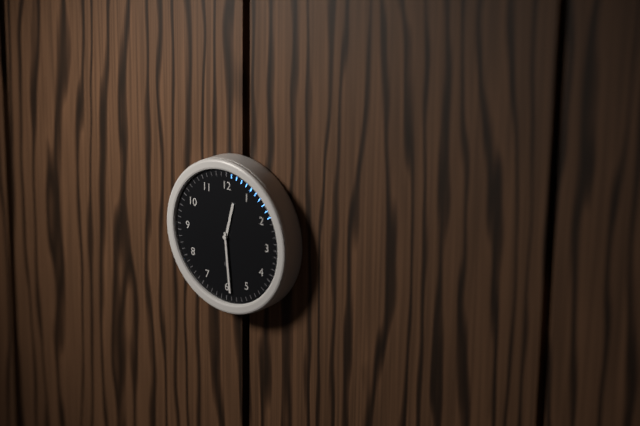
12.29
